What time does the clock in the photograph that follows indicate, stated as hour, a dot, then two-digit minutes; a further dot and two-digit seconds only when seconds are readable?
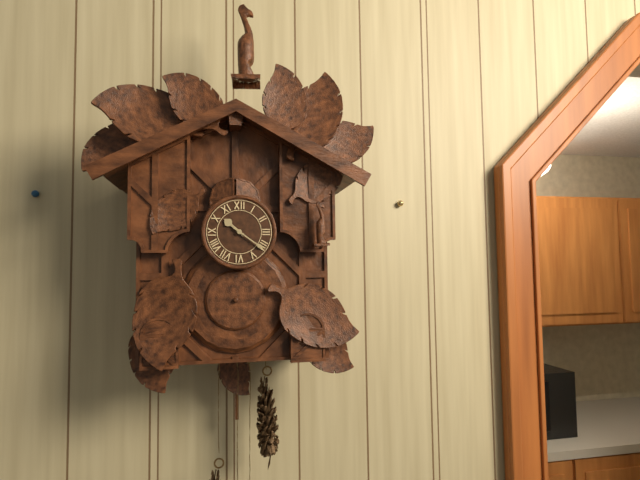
10.21
